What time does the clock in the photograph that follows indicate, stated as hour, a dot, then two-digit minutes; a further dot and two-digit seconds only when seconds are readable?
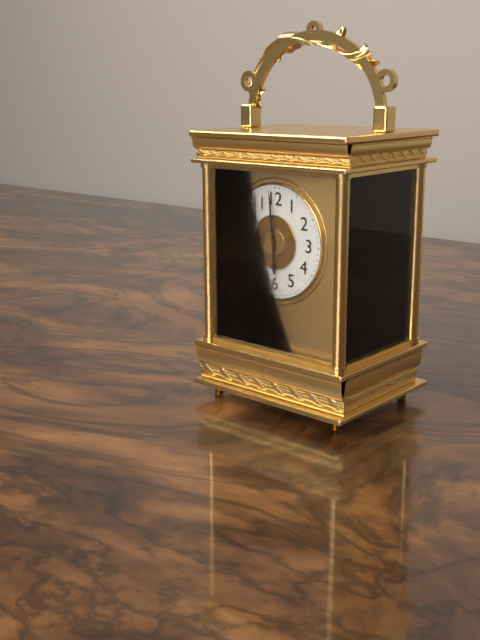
5.59
